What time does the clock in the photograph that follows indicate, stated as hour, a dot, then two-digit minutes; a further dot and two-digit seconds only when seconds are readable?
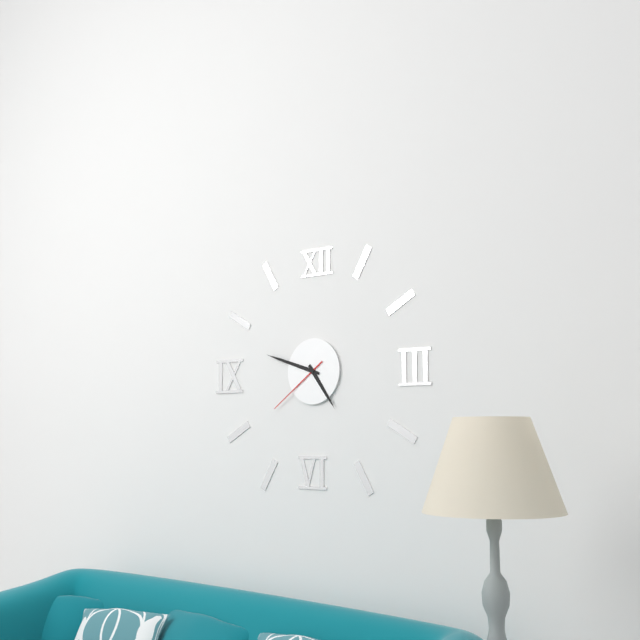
4.48.39
